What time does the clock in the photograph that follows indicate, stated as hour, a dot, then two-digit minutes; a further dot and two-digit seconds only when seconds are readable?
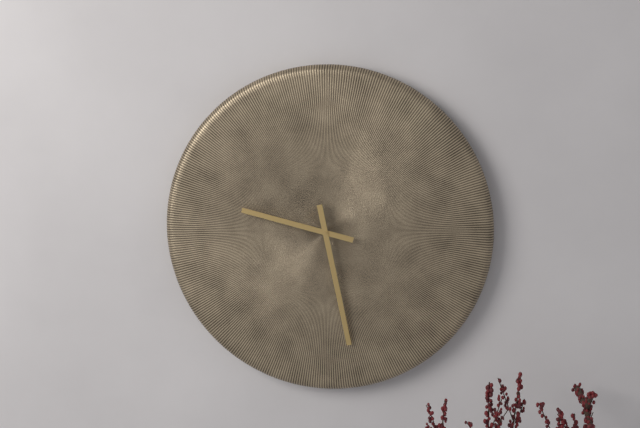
9.28
